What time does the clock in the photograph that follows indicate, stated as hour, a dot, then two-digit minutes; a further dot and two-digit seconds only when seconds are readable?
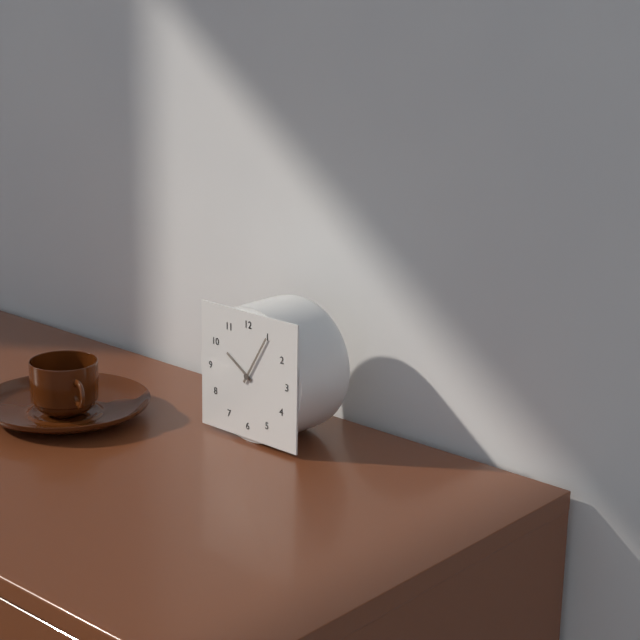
10.05
